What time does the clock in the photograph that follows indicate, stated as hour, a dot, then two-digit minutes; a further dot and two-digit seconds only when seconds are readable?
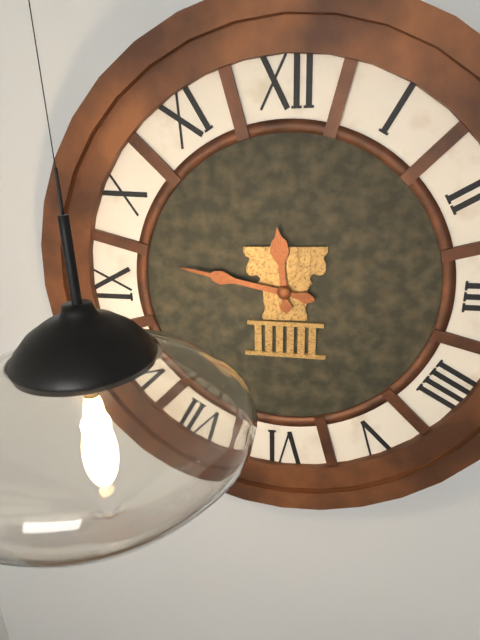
11.47
